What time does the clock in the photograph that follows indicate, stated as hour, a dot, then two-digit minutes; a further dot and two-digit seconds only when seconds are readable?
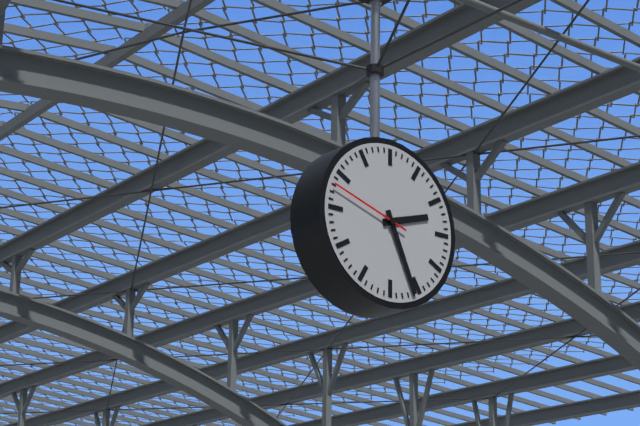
2.26.48
